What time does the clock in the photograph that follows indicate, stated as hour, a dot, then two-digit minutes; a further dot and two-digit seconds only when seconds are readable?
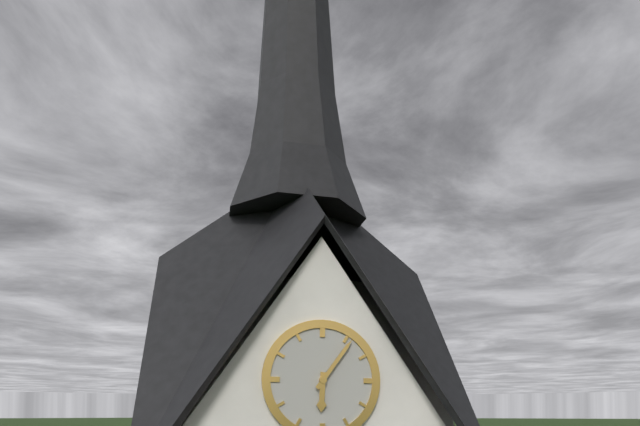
6.06
